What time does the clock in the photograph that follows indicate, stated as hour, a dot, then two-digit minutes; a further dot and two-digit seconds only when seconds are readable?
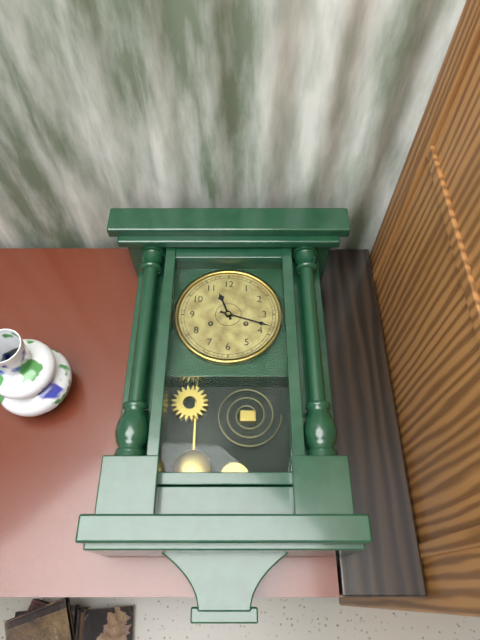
11.18
